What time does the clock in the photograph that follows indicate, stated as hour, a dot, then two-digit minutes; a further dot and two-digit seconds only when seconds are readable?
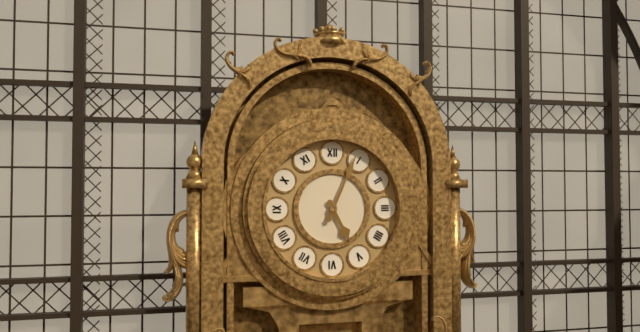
5.04
